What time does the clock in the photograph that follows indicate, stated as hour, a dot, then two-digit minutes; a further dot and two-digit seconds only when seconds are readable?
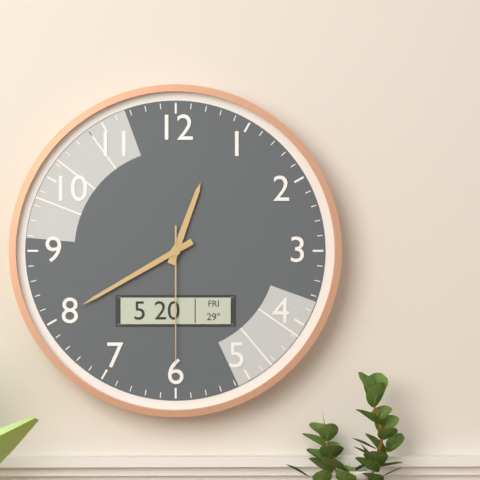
12.40.30
